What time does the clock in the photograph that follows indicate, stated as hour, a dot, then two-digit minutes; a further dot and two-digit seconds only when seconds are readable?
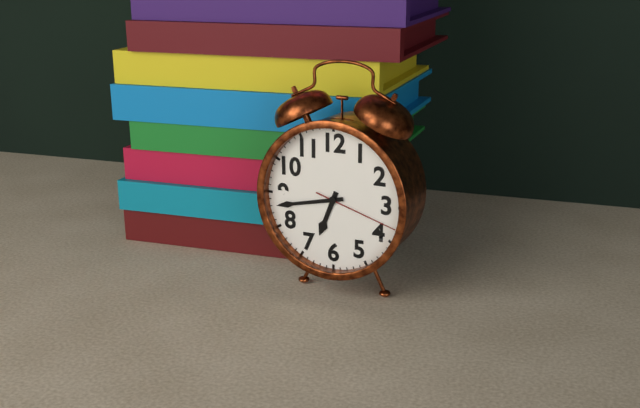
6.43.18
